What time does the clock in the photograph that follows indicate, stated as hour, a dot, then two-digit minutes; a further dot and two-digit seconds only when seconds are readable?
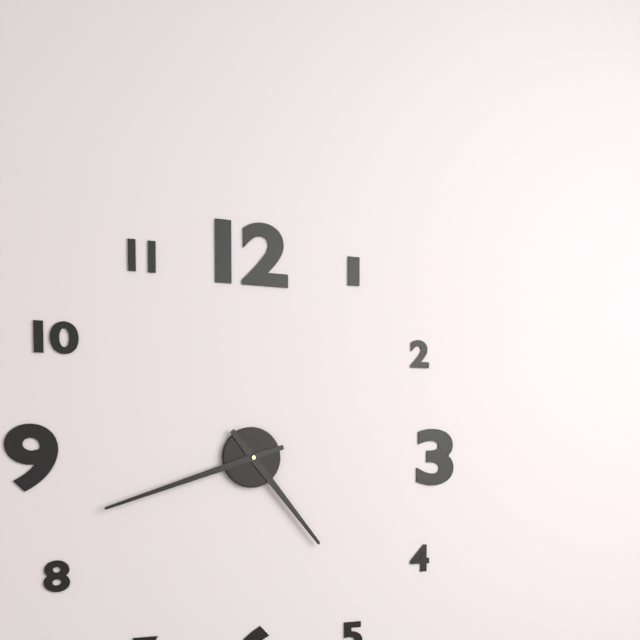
4.42
